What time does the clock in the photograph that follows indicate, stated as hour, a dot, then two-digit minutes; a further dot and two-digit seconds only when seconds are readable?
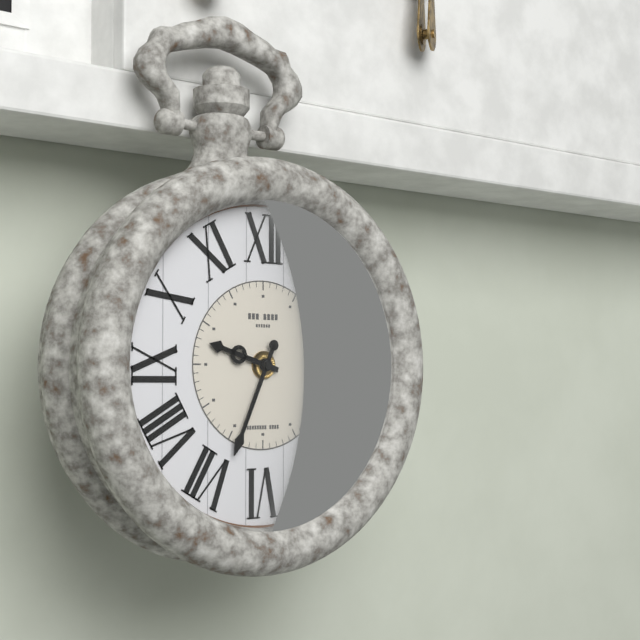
9.34
